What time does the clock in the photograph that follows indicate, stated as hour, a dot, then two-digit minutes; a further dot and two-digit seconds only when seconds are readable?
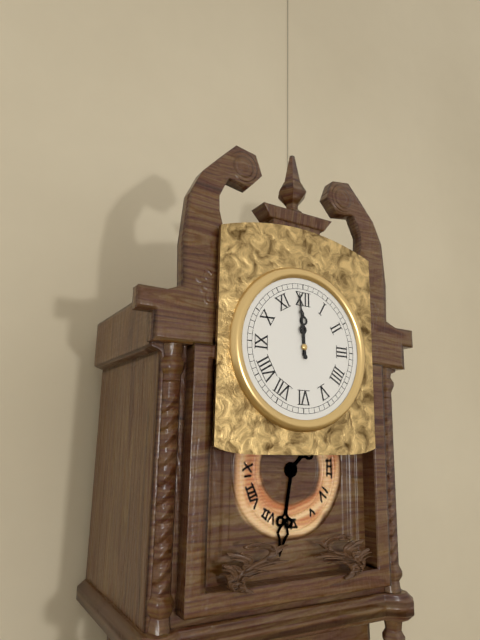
11.59
